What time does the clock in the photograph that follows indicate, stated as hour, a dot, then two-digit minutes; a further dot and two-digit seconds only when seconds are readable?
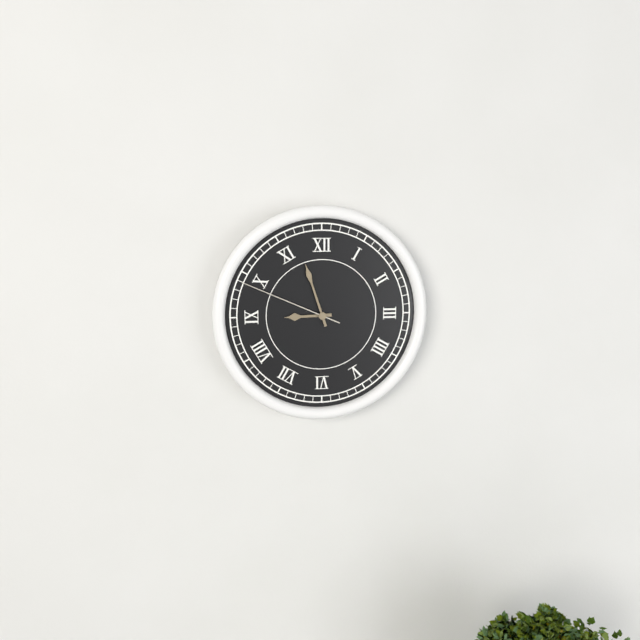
8.57.49
